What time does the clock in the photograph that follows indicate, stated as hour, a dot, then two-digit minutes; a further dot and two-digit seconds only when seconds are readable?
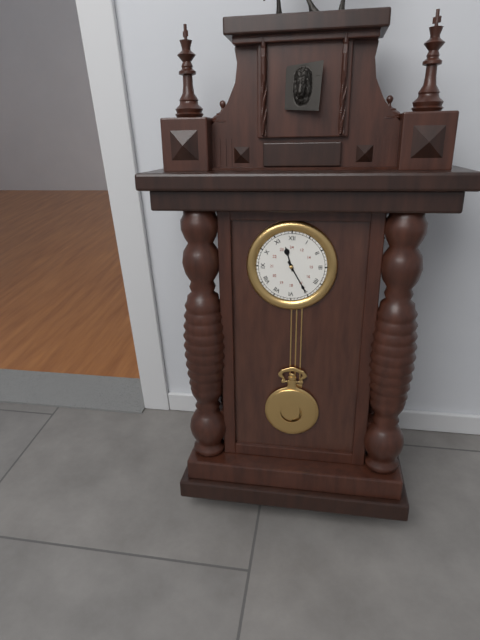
11.25
